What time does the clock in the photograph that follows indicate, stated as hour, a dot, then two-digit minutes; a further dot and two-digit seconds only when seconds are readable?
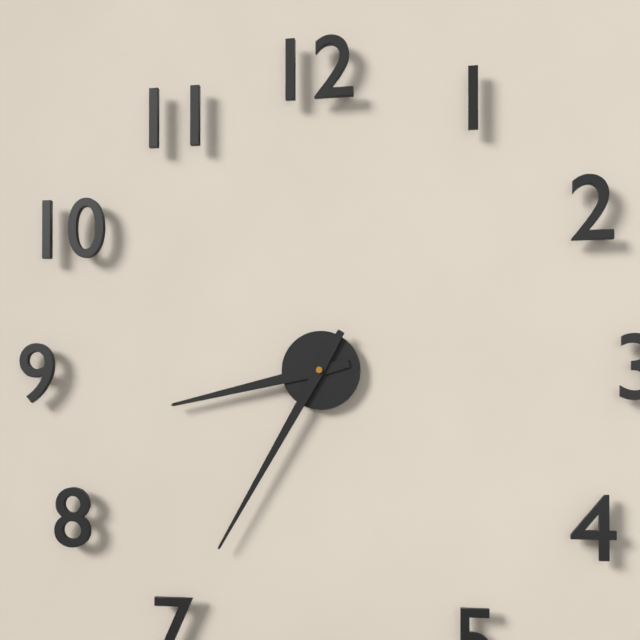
8.35
